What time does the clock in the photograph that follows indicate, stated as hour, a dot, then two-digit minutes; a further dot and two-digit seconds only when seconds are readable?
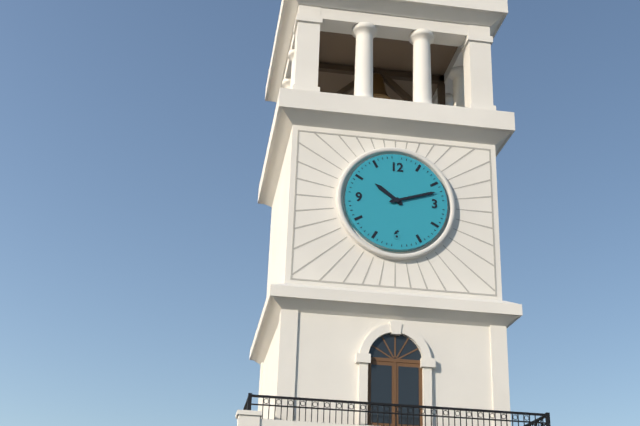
10.12
